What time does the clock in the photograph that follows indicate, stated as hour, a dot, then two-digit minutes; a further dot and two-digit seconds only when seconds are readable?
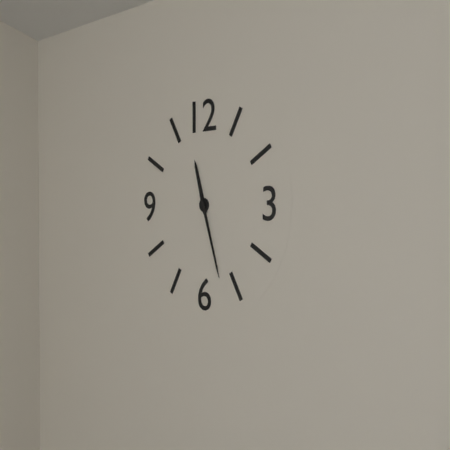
11.27
